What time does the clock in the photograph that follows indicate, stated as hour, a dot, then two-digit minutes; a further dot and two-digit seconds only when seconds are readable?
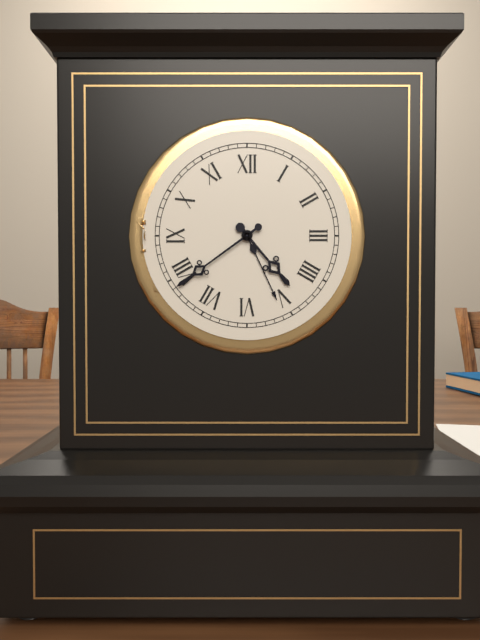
4.39
